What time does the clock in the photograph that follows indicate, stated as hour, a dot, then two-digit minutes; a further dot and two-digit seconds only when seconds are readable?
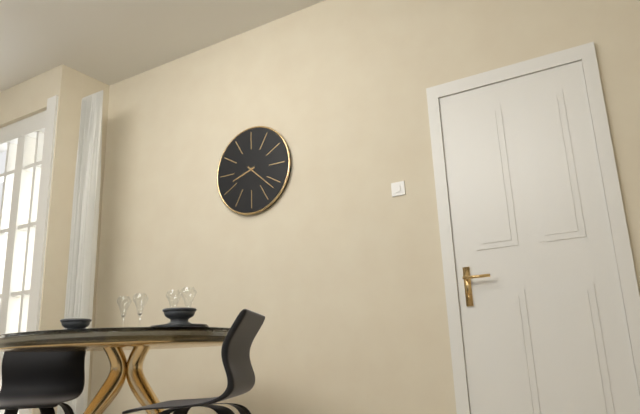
8.22
